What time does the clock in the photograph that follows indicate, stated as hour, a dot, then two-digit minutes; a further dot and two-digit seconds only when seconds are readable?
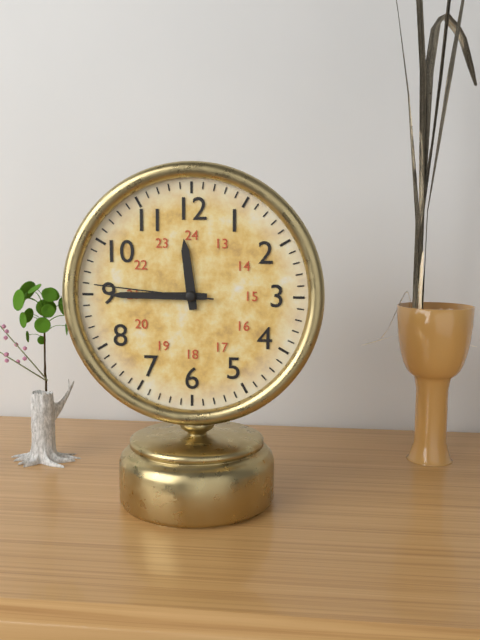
11.45.46
